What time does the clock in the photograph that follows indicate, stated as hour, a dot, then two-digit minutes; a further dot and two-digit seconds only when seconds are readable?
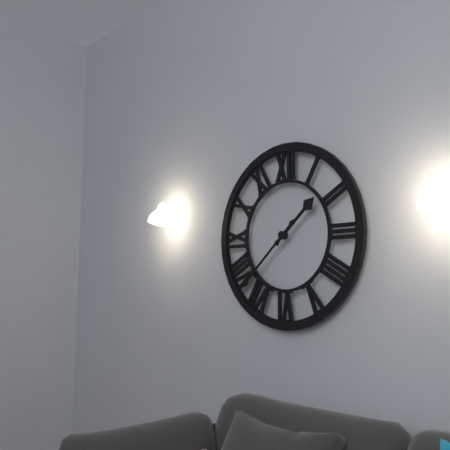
1.38
